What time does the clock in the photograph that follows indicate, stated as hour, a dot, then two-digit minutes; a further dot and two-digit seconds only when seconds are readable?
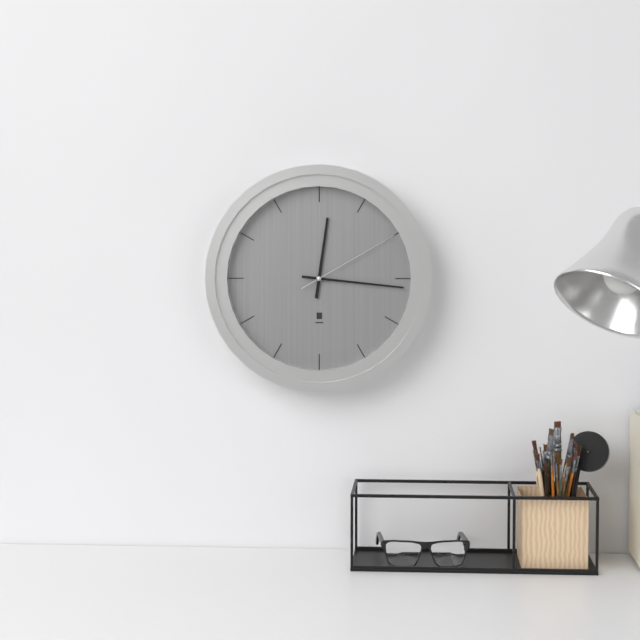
12.16.10
